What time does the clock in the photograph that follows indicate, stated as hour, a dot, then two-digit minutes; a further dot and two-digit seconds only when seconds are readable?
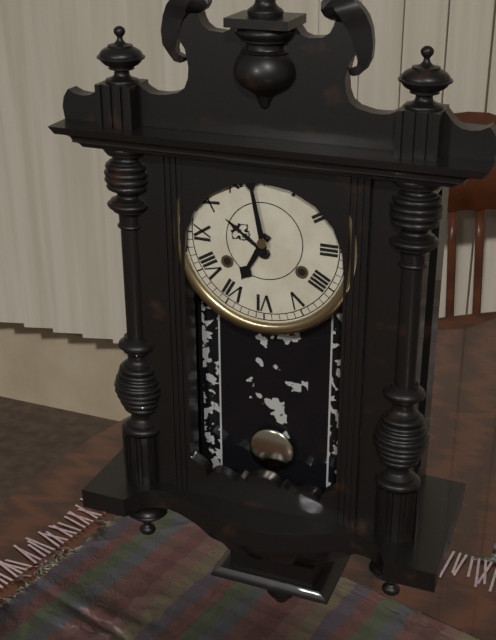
6.58
